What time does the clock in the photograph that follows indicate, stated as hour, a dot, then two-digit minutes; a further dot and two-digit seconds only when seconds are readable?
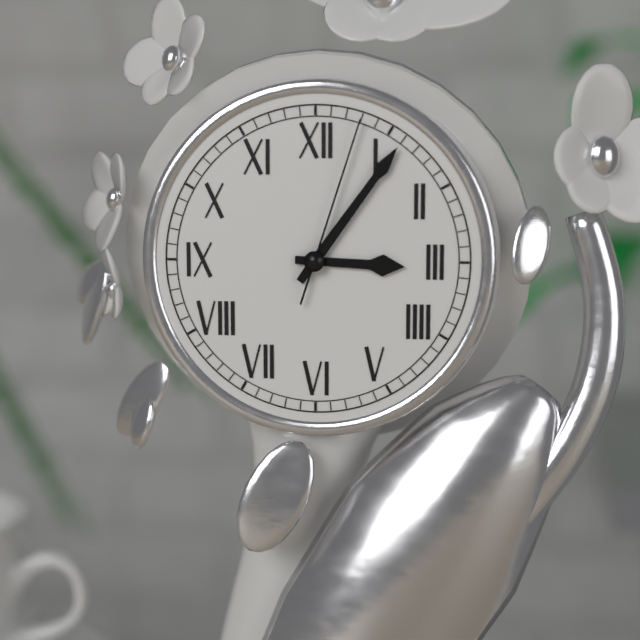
3.06.03
